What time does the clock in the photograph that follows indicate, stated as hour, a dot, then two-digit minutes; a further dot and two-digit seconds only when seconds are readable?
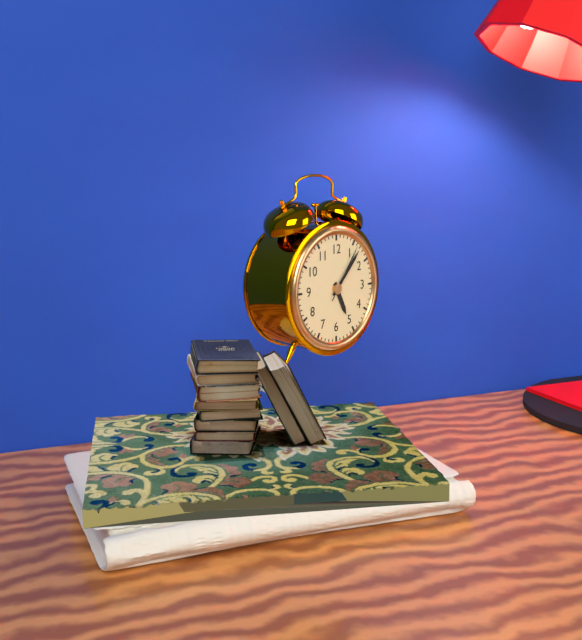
5.07.06
